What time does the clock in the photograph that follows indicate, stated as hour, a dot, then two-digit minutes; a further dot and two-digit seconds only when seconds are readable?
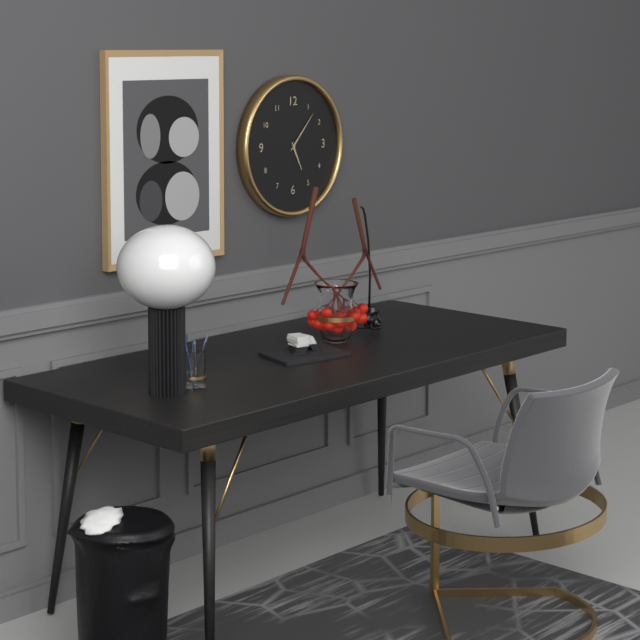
5.07
